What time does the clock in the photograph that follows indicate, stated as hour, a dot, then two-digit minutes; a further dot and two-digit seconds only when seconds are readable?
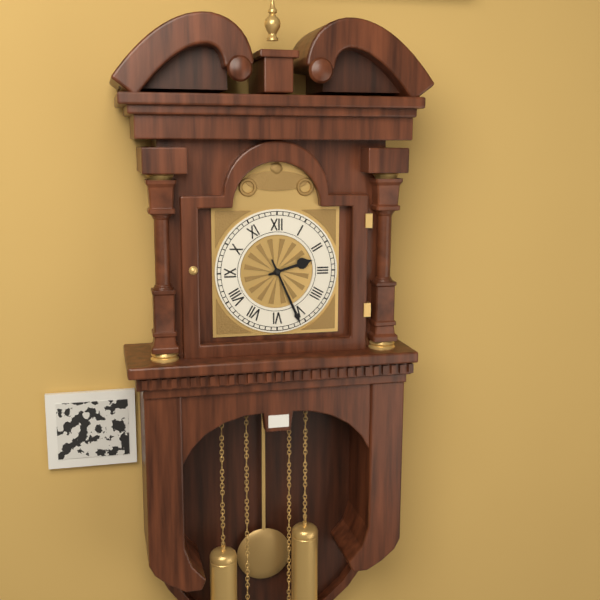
2.26
